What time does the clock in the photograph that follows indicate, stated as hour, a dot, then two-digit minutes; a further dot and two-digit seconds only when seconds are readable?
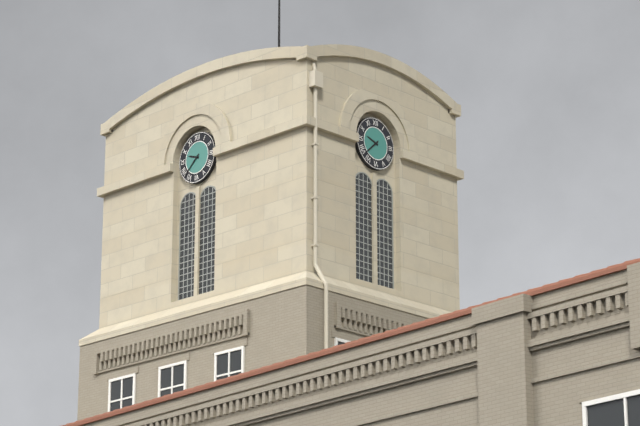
9.38
